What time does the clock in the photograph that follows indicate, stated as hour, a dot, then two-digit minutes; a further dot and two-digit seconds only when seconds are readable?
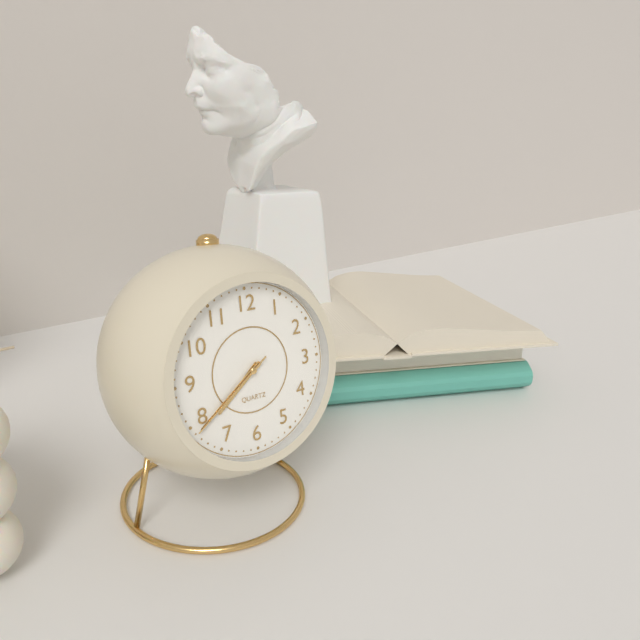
7.39.39
